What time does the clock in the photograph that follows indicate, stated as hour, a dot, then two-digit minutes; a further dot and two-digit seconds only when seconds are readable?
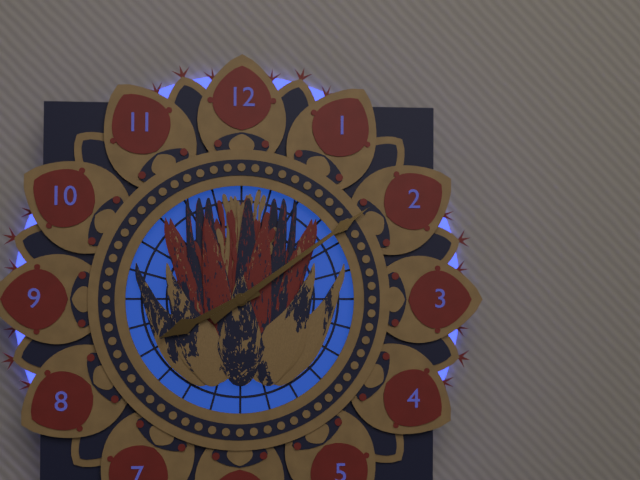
8.09
